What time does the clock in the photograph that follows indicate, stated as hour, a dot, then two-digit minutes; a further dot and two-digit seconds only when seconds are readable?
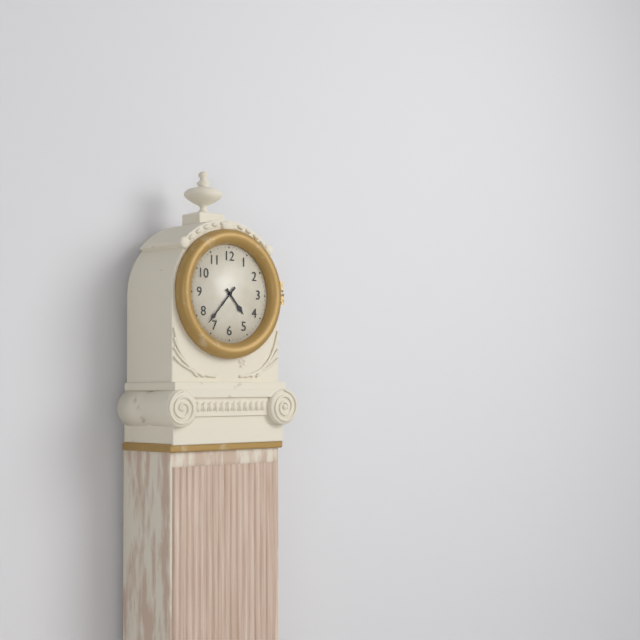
4.37
